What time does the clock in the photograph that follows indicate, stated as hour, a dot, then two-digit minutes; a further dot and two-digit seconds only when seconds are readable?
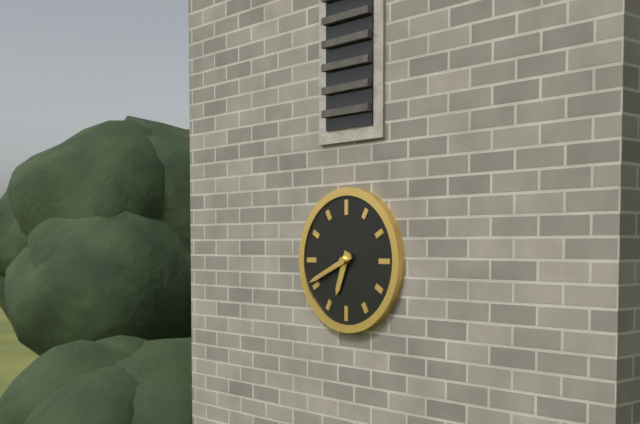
6.41
